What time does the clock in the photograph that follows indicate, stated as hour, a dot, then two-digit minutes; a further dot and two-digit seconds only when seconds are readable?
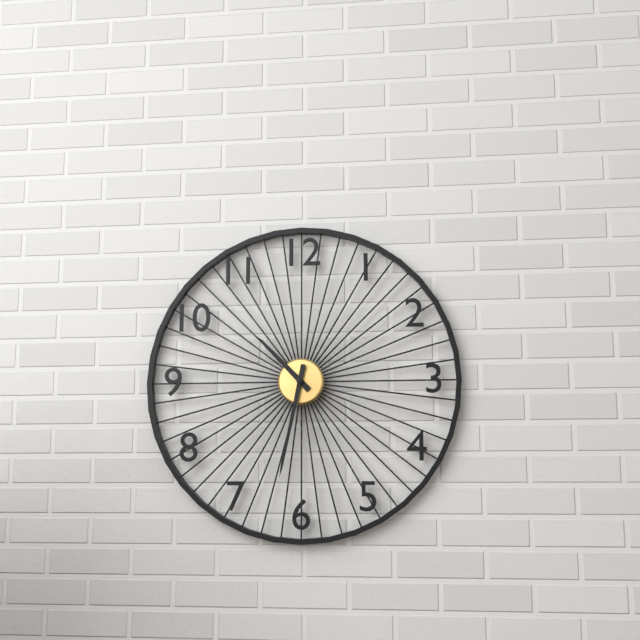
10.32
